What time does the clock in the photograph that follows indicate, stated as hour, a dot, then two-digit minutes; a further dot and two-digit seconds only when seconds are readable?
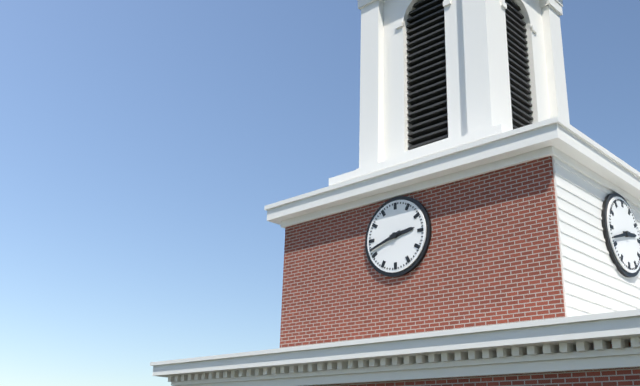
2.42
